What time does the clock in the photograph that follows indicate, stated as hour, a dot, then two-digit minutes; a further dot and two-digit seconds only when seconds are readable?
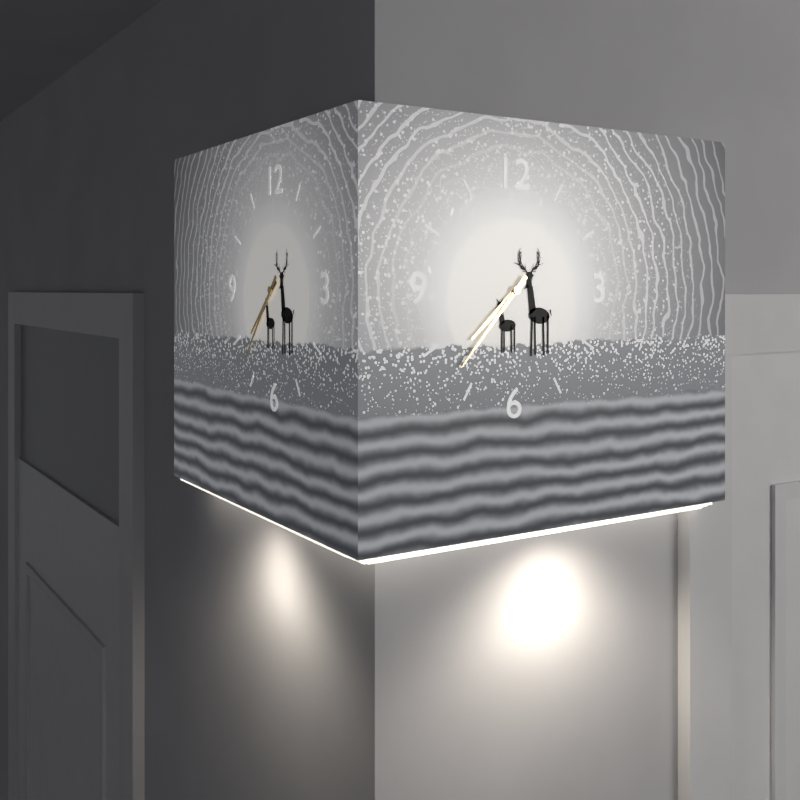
7.37
